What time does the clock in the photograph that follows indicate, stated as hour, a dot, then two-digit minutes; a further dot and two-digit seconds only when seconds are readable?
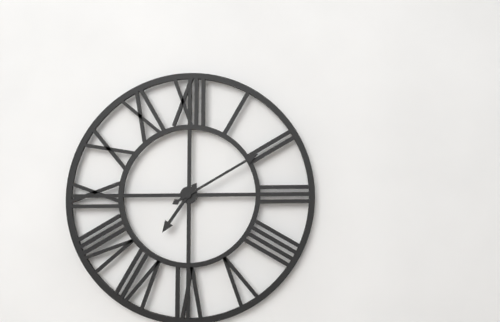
7.10
